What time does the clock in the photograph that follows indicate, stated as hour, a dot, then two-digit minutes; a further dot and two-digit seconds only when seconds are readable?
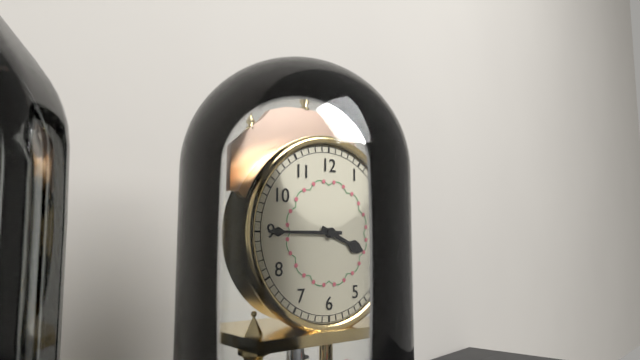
3.45
